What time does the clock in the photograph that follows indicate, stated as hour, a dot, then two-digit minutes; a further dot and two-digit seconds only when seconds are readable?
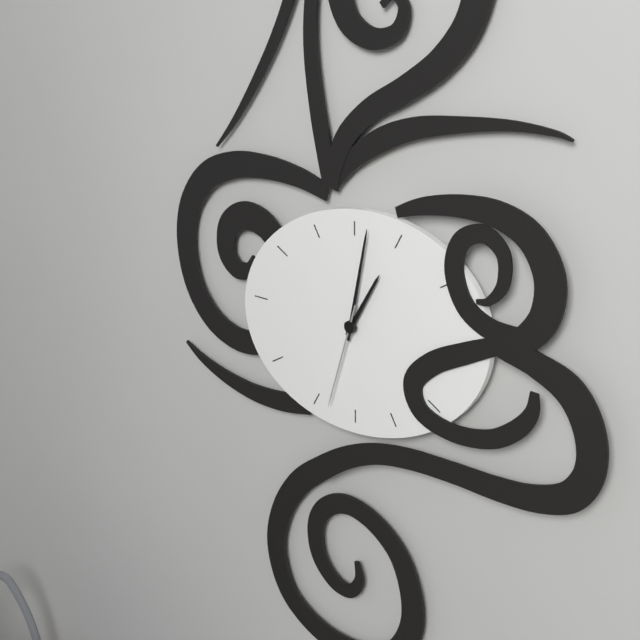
1.02.33
